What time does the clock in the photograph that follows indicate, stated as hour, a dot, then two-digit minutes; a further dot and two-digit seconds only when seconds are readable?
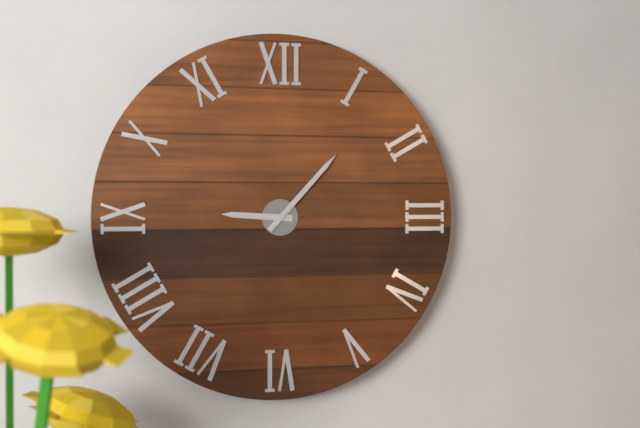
9.07
